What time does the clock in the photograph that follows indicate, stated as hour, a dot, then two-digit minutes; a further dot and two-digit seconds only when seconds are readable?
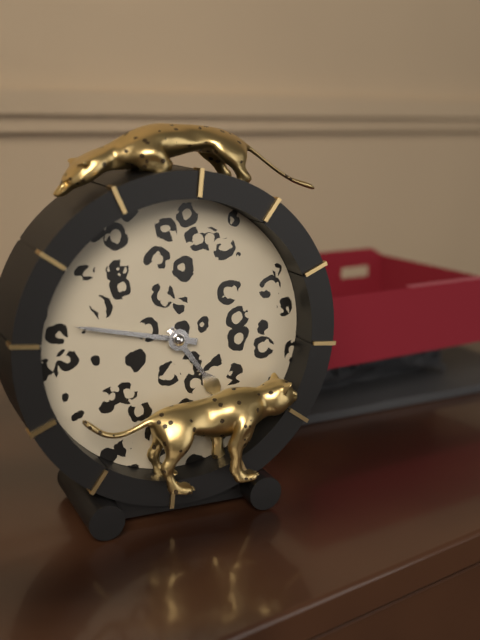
4.47
